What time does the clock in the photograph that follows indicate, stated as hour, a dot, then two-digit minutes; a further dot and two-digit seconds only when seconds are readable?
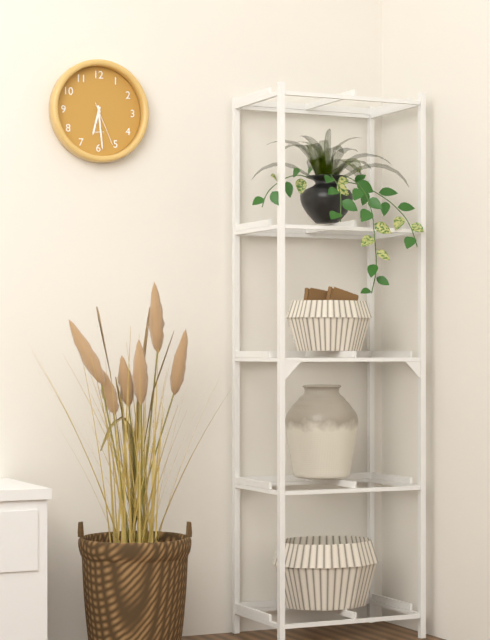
6.29
